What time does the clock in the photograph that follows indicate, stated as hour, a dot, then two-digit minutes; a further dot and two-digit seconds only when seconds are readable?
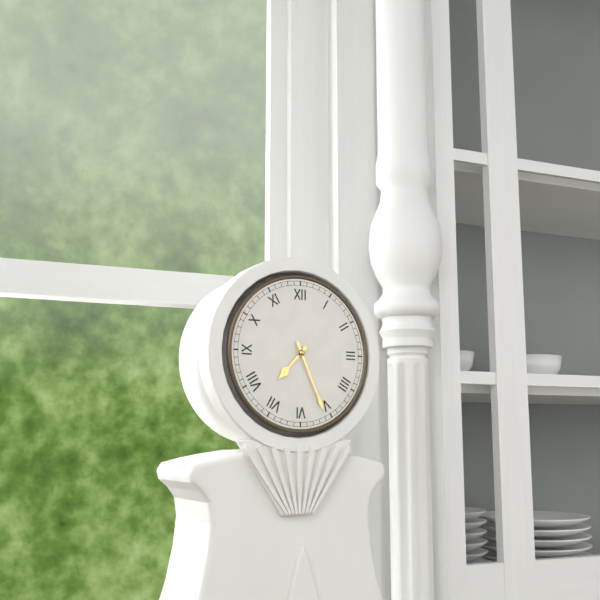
7.26
